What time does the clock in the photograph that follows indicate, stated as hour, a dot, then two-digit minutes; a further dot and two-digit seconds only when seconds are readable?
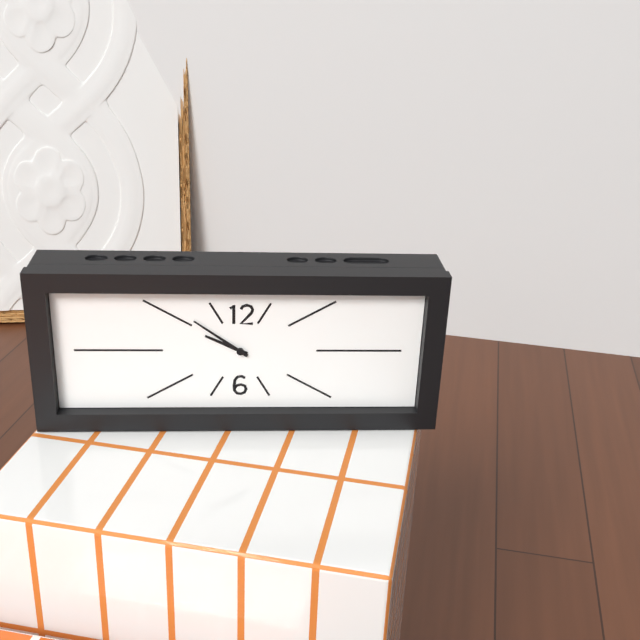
9.51
